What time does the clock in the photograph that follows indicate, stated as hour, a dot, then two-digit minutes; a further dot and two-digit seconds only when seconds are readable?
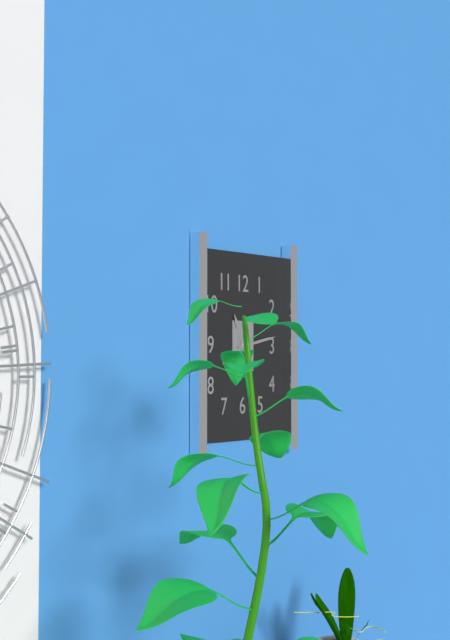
11.13
